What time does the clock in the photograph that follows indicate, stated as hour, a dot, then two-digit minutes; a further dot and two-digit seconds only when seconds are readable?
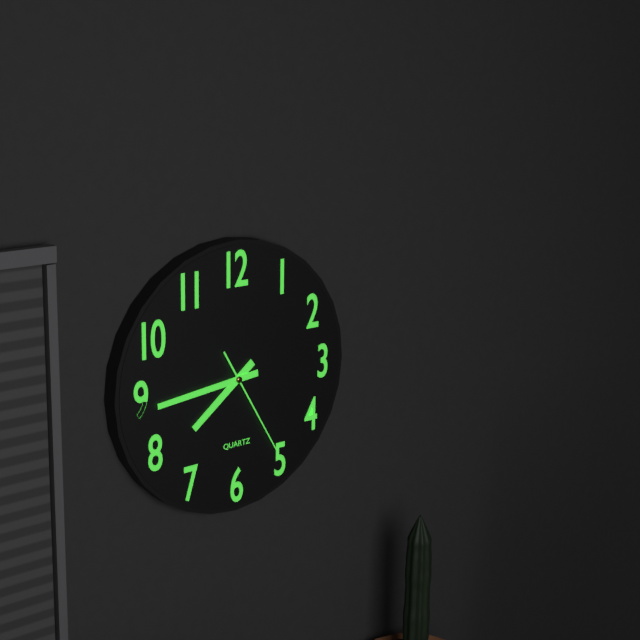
7.44.25
